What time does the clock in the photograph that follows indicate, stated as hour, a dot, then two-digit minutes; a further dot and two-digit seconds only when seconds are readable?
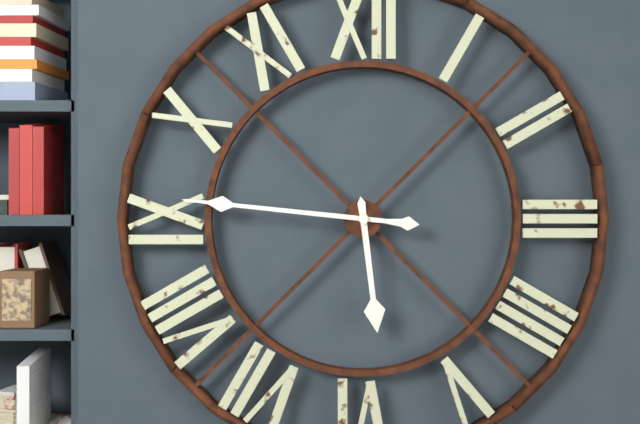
5.46
